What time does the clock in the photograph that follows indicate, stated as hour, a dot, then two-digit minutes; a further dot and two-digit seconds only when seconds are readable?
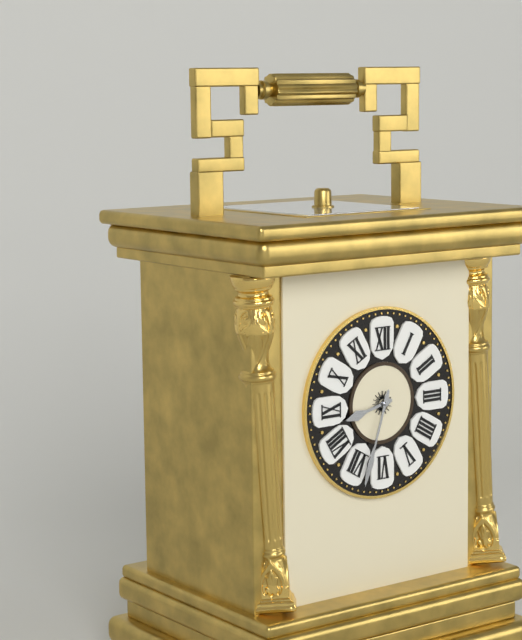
8.33
